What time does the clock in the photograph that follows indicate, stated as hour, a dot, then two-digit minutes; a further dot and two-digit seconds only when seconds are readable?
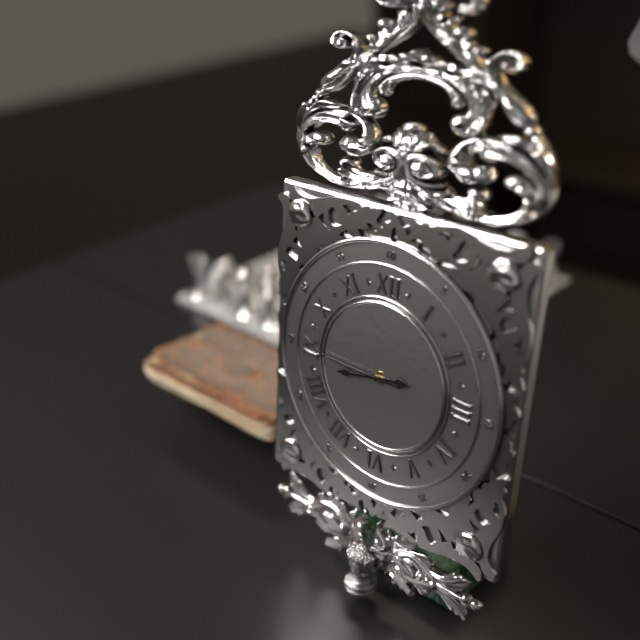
2.43.45
